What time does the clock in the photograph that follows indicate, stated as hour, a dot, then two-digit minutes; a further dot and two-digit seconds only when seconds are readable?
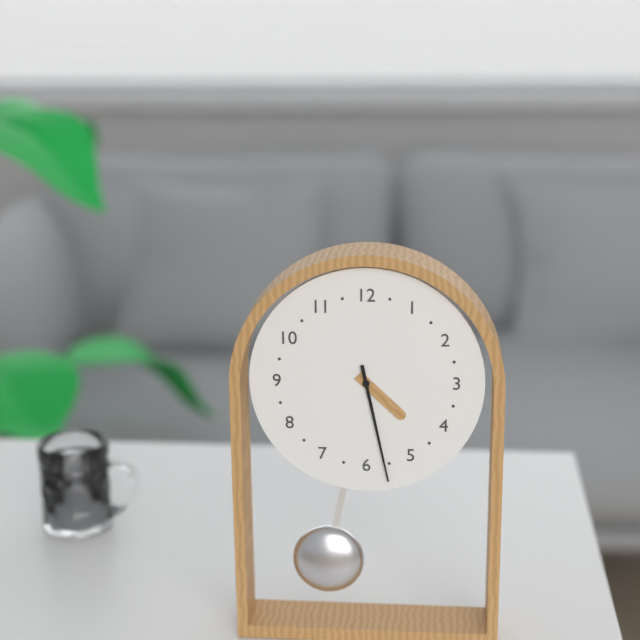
4.28
